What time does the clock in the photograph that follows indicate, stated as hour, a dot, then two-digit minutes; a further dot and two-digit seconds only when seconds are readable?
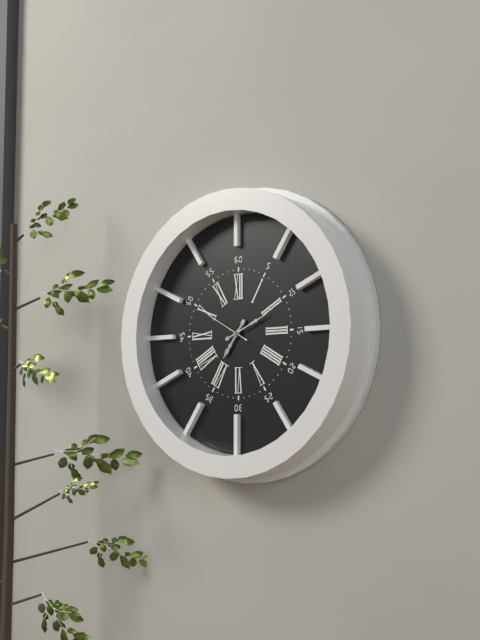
7.11
